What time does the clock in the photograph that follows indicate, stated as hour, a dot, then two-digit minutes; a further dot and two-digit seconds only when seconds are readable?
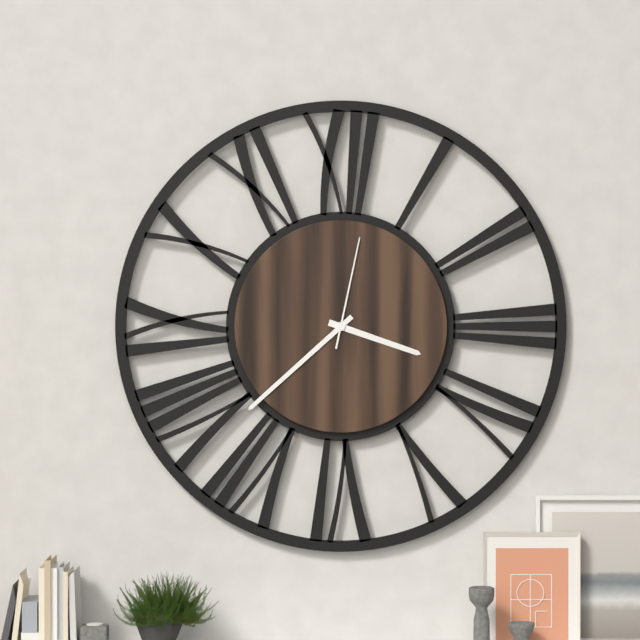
3.38.02
